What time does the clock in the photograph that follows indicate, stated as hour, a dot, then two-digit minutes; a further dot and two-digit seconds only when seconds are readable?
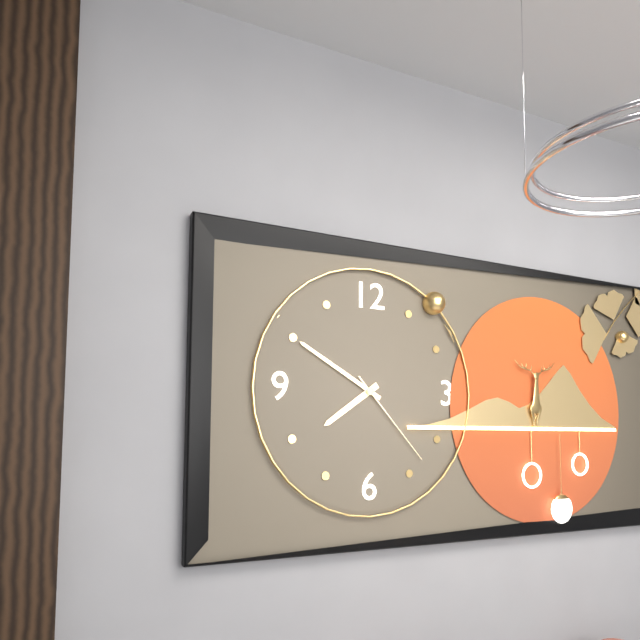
7.50.23
